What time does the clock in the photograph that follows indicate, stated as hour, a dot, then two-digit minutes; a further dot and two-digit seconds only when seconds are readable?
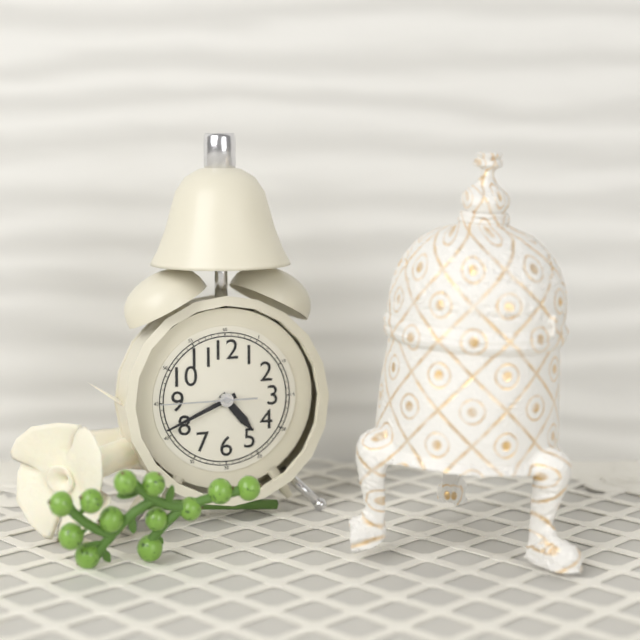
4.41.45
